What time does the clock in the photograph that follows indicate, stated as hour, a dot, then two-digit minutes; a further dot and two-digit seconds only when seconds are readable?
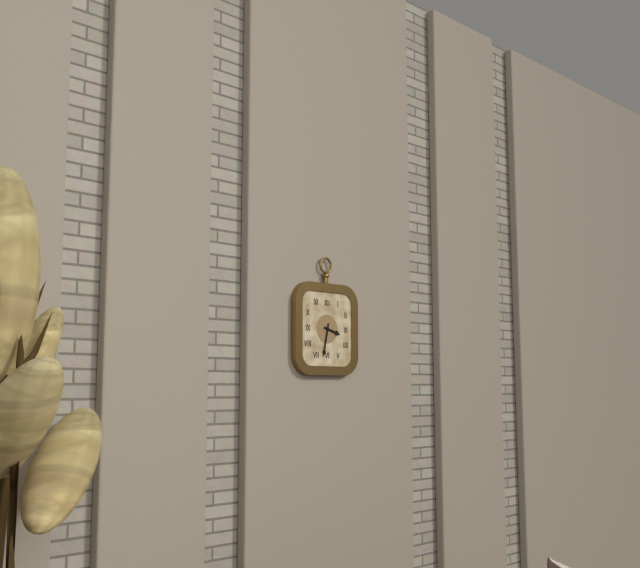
3.32
